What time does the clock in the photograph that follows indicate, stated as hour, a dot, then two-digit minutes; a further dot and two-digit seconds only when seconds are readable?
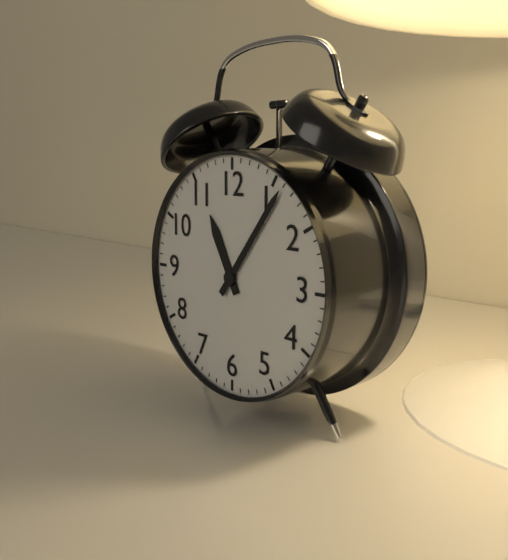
11.06
